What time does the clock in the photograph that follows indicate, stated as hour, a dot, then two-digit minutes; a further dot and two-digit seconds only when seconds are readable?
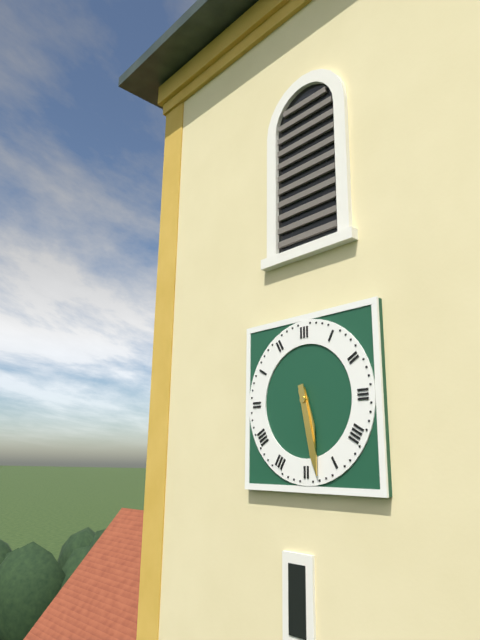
5.28
